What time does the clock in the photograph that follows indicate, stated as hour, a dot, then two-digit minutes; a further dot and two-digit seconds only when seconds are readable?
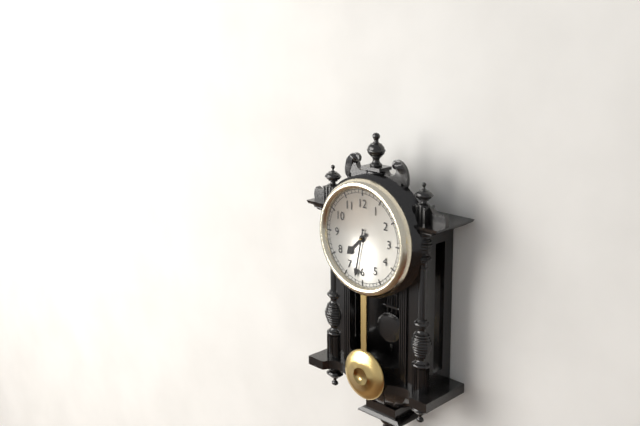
7.32
